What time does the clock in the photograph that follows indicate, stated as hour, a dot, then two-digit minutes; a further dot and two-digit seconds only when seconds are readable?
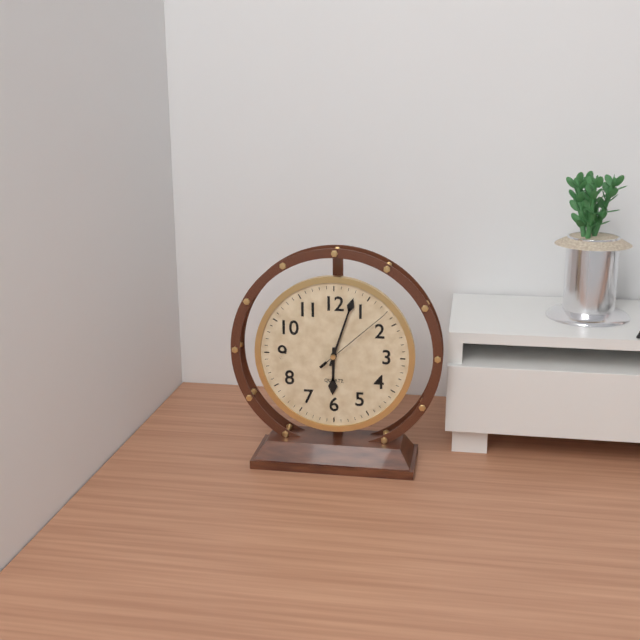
6.03.08
